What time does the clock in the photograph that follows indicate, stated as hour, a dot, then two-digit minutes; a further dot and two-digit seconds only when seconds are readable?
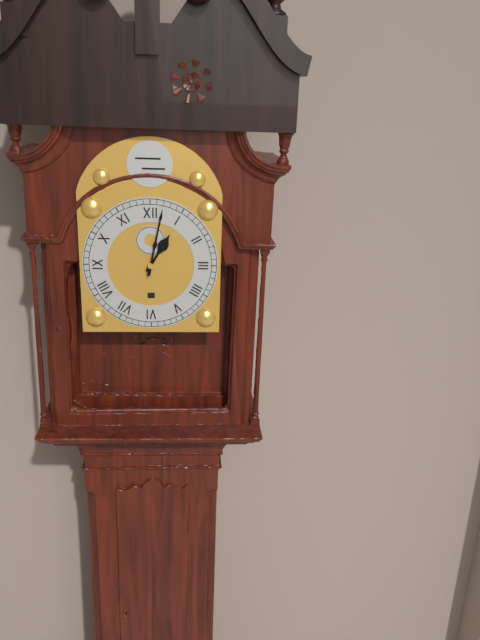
1.02
